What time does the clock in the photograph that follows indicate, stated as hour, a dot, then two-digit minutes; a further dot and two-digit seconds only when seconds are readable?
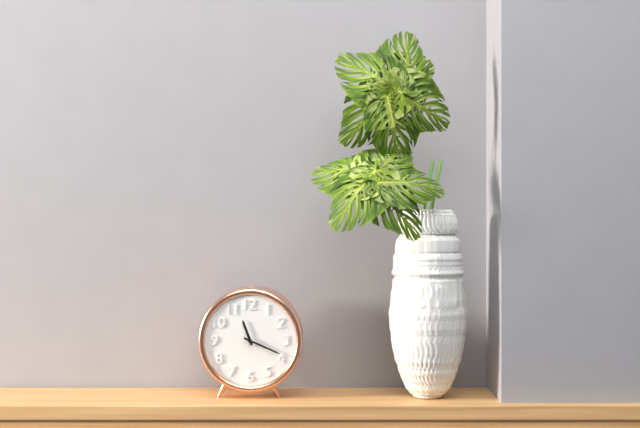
11.19
